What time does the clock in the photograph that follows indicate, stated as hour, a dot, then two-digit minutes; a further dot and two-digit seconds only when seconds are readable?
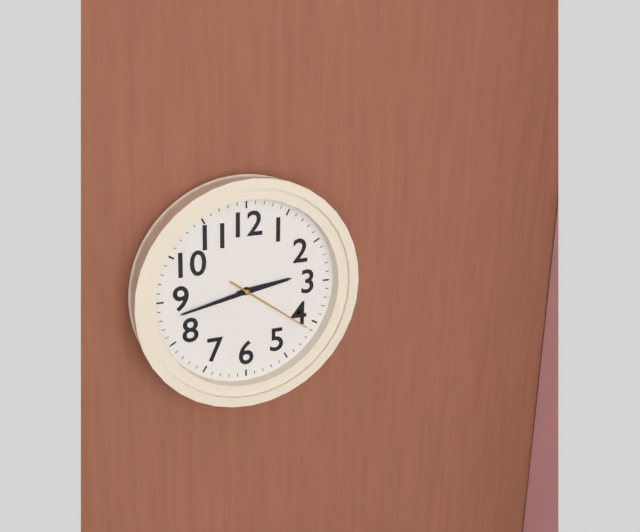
2.43.21
